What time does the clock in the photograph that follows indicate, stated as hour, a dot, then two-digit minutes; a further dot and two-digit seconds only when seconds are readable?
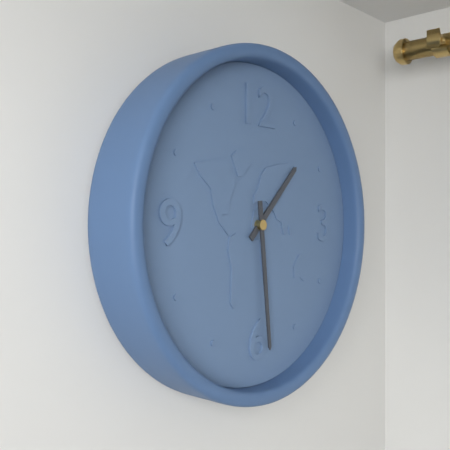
1.29
